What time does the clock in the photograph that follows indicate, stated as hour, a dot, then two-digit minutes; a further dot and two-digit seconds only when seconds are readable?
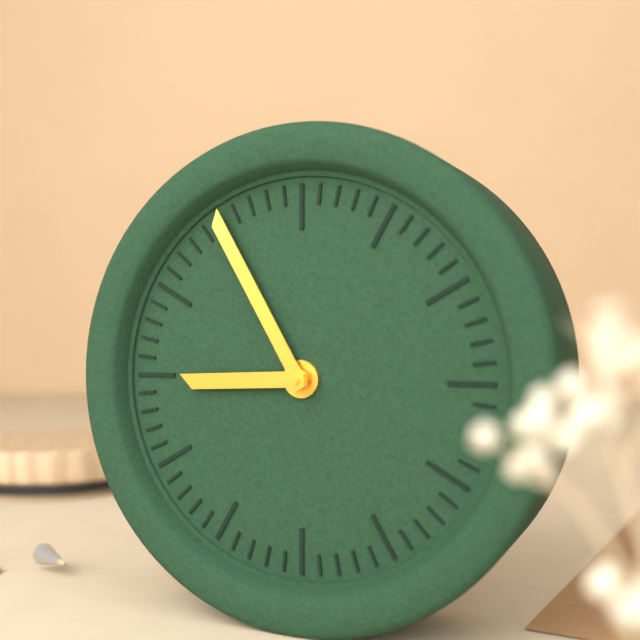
8.55
